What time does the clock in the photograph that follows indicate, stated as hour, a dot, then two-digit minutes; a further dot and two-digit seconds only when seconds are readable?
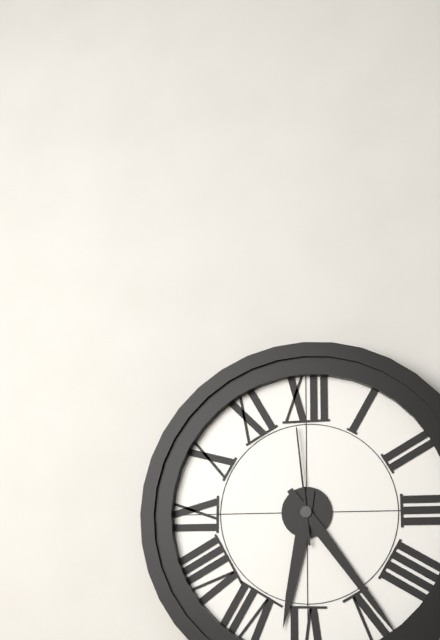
6.24.59
